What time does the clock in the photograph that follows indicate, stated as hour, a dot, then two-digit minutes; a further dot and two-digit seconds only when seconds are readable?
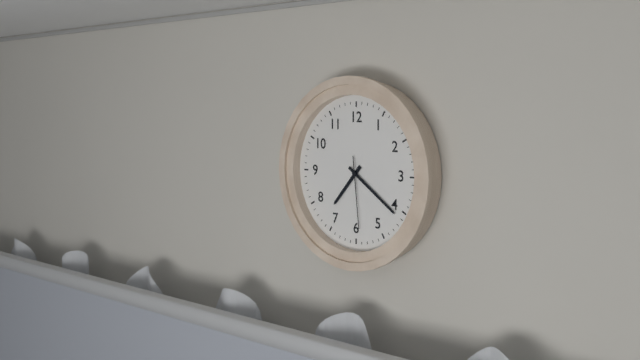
7.21.29
